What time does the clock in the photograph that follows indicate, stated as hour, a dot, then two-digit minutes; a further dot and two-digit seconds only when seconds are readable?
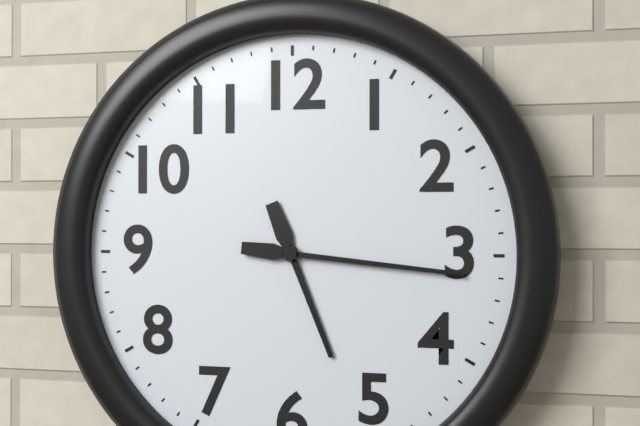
5.16
